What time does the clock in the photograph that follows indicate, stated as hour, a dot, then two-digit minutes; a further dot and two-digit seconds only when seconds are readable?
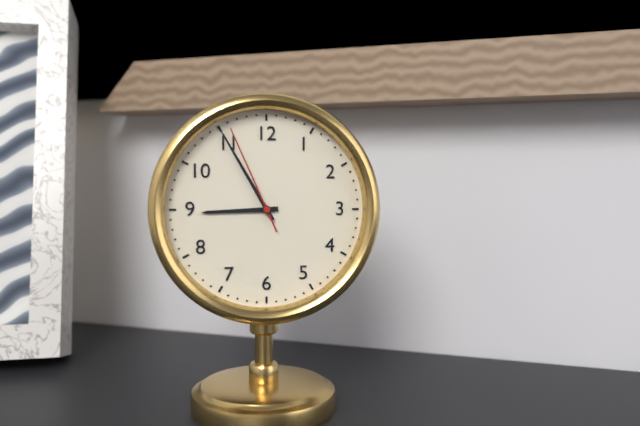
8.55.56
